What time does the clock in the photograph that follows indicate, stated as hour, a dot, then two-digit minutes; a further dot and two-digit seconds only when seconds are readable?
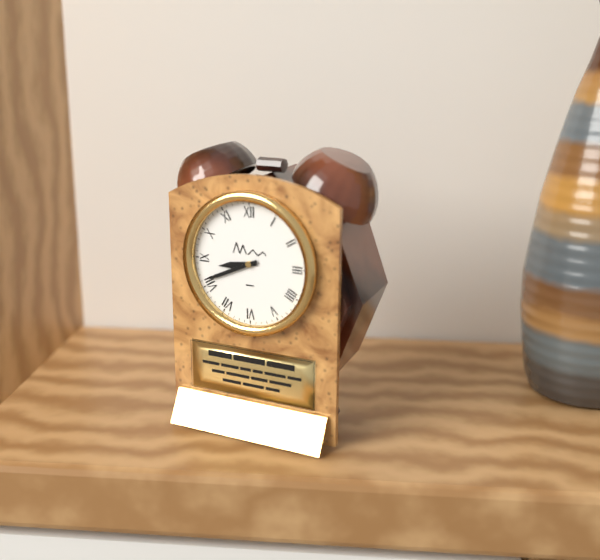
8.41
